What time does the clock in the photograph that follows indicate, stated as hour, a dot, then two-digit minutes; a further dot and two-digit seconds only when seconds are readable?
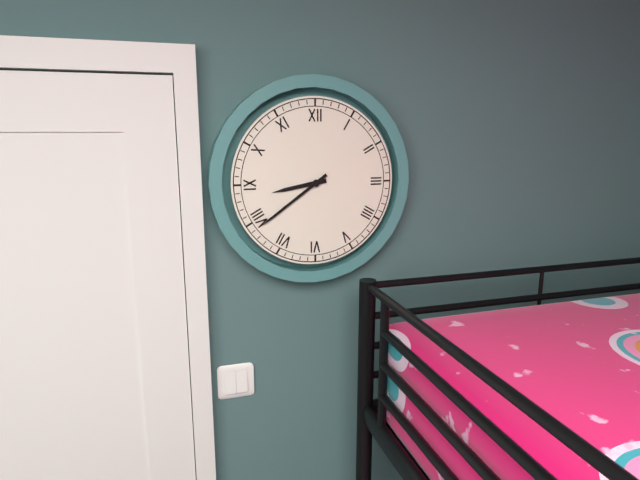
8.39
